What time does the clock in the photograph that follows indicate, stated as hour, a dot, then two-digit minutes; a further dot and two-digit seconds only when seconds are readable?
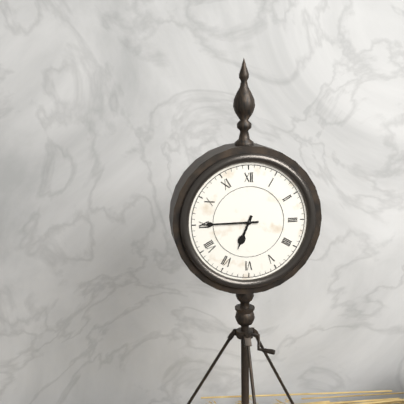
6.45
